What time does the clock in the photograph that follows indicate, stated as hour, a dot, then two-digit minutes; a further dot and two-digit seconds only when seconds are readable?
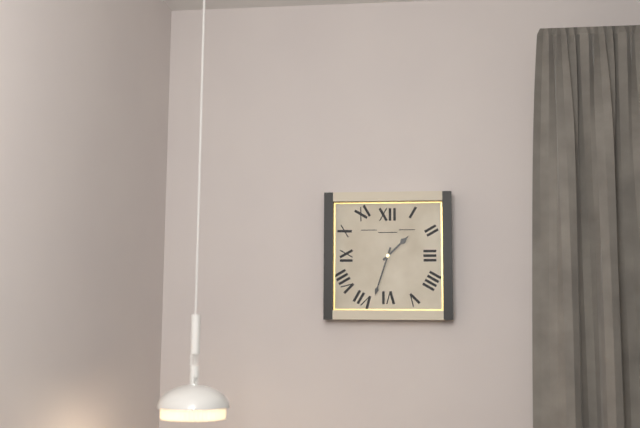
1.33
